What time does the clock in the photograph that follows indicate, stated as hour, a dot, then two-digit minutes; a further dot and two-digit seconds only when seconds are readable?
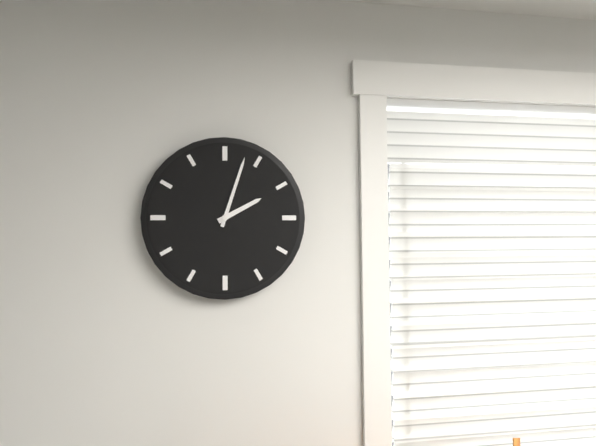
2.03
